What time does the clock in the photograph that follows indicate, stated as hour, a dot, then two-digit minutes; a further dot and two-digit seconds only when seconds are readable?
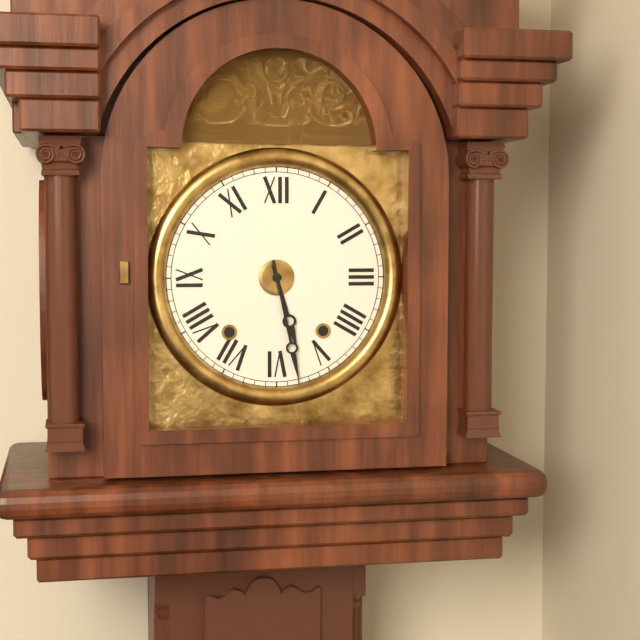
5.28
